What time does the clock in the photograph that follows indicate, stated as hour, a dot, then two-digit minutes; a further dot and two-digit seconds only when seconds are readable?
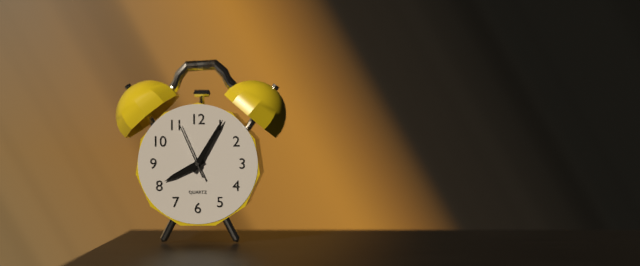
8.05.56
